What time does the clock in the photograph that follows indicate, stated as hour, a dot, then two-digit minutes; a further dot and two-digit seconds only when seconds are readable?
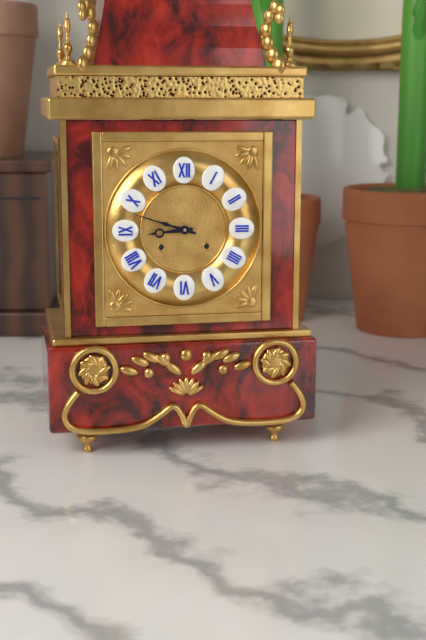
8.48
